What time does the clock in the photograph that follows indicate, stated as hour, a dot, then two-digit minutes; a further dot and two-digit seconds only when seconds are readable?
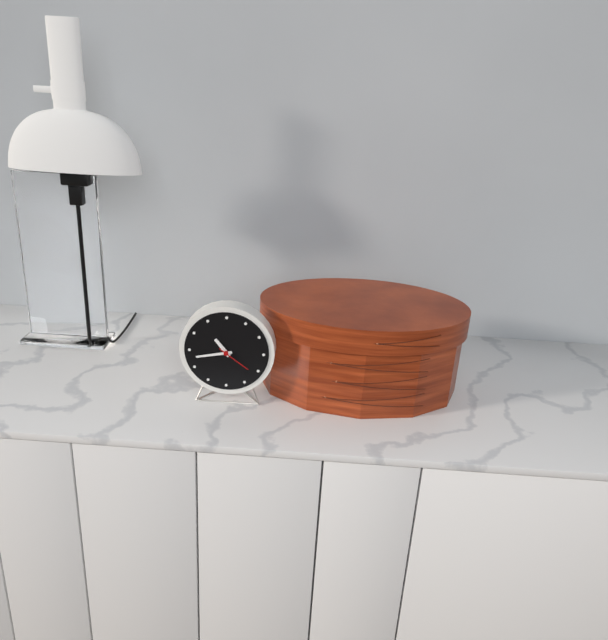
10.43
